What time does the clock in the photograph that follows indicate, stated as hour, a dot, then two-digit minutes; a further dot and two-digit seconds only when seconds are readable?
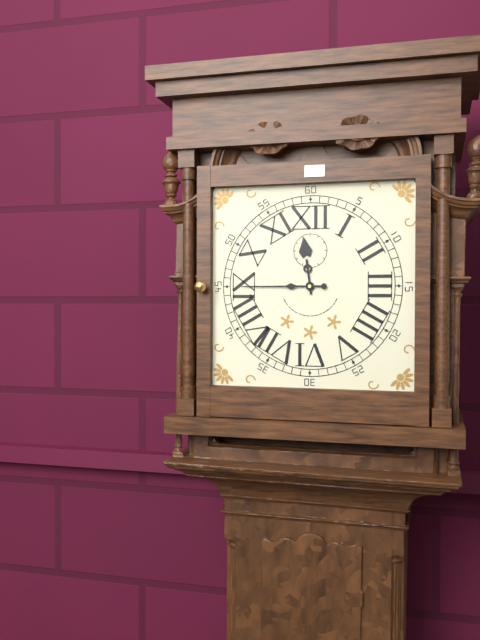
11.45
